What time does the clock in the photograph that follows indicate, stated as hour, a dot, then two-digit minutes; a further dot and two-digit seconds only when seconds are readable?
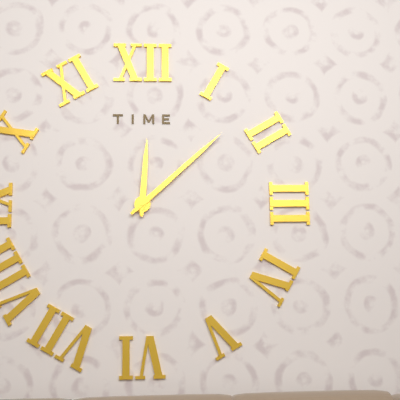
12.08
